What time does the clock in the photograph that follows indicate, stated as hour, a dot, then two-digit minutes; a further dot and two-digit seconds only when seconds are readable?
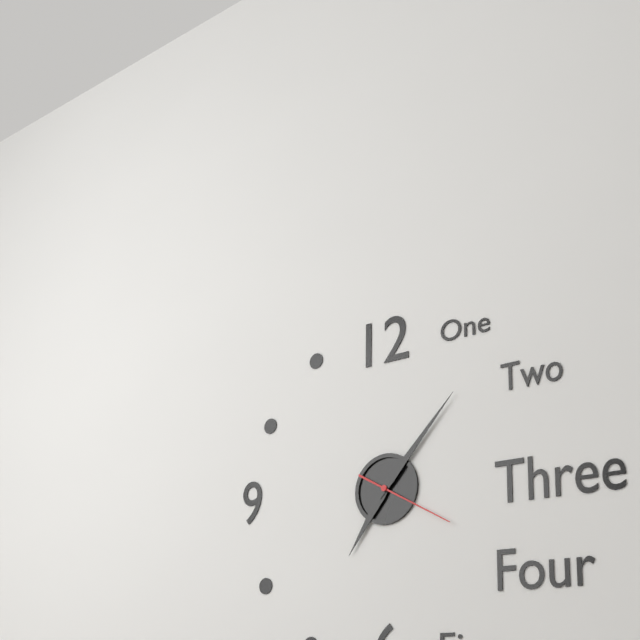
7.07.20
